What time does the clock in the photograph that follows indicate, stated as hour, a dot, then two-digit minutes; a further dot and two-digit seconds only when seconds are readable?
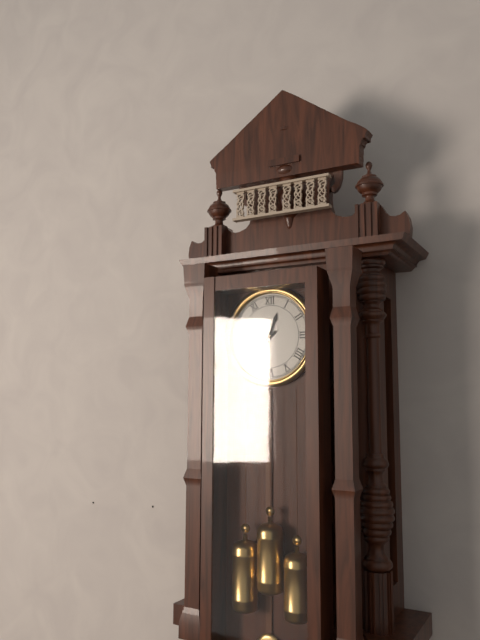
12.39
